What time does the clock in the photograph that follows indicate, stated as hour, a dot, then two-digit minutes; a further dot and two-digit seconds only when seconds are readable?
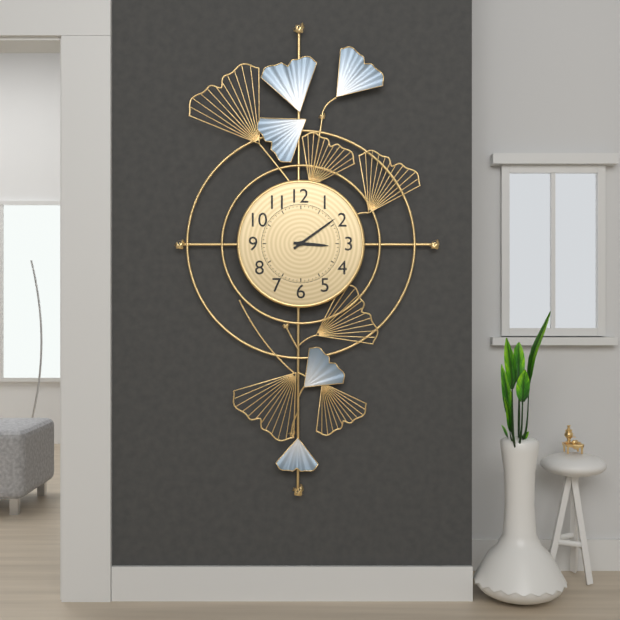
3.09
